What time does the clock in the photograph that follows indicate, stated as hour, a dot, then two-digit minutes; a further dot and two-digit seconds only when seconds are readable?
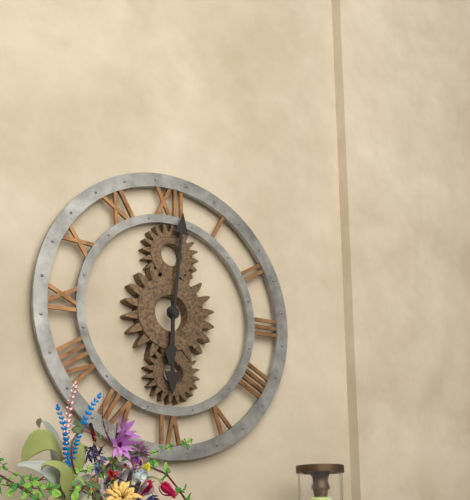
6.01
